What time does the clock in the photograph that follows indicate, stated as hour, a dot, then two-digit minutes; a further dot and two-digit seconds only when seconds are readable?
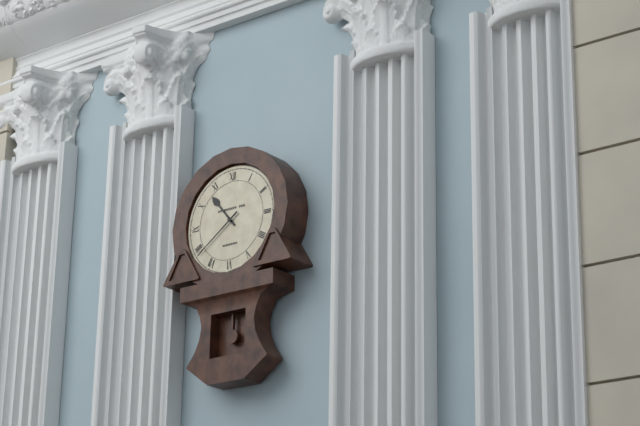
10.39
